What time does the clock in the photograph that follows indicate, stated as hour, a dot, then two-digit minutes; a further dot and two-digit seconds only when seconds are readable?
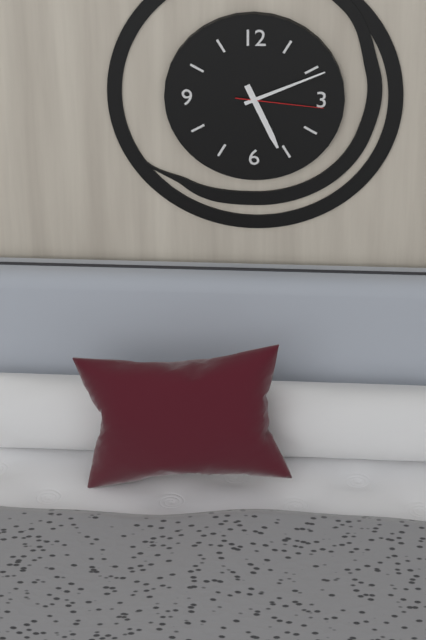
5.11.16
